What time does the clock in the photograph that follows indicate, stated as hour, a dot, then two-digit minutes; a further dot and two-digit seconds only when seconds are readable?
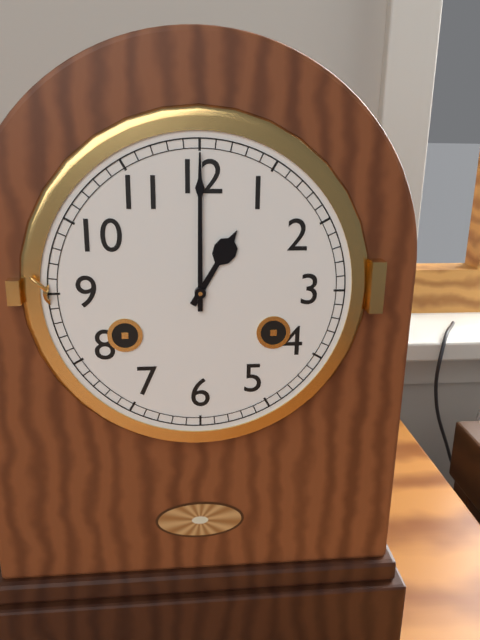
1.00
